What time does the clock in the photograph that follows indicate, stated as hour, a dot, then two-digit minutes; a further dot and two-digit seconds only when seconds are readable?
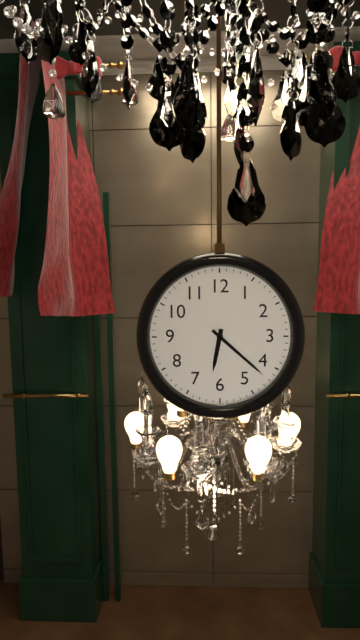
6.22
